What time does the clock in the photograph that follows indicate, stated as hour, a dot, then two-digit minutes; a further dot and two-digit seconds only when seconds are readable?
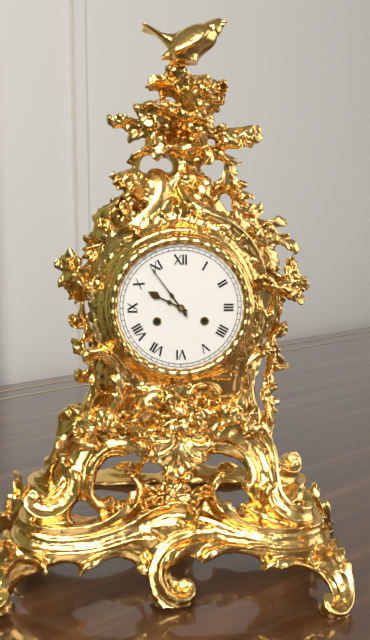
9.54
